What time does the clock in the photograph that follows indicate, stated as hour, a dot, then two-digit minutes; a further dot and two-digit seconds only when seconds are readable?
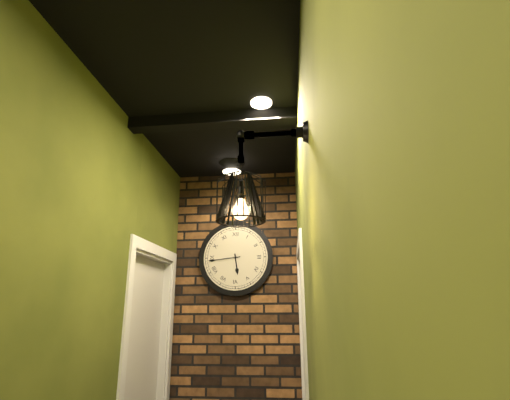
5.44
